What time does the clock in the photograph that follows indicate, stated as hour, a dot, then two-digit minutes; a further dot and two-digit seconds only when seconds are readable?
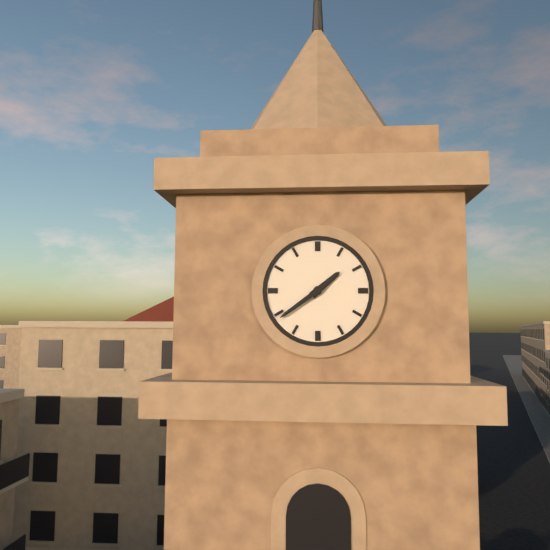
1.39
